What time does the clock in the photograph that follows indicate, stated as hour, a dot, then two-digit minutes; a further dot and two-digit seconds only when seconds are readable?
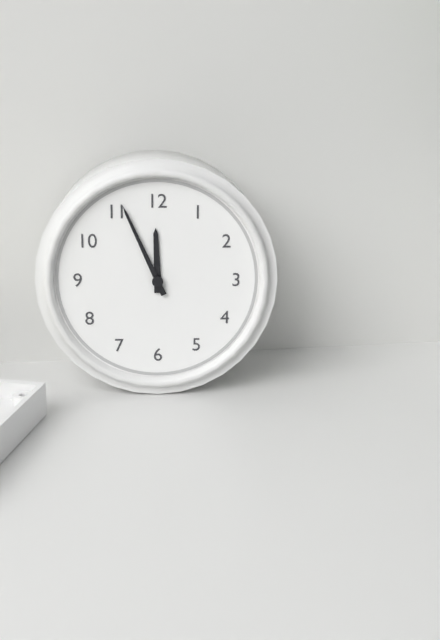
11.56
